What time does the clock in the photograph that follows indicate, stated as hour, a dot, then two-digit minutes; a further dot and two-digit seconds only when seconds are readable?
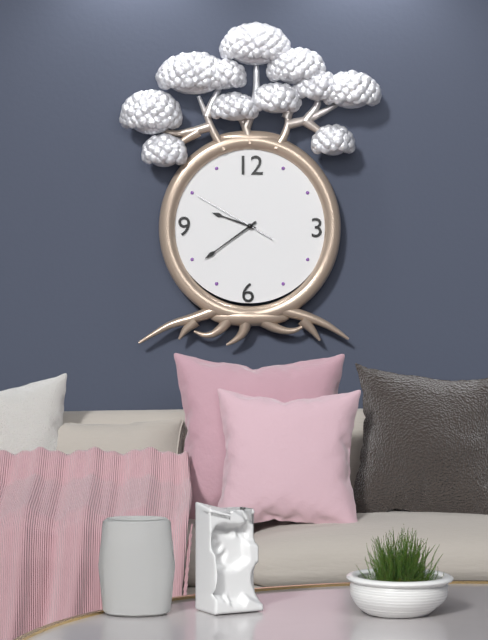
9.39.50
